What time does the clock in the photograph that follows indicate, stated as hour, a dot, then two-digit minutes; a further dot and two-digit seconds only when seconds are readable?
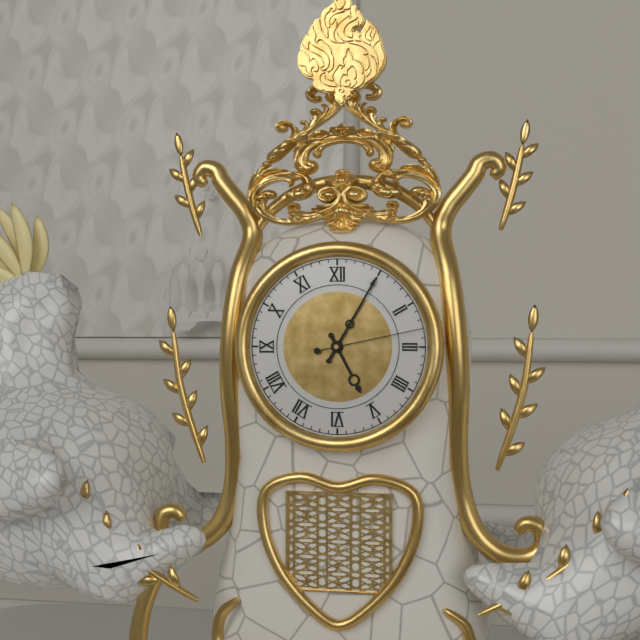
5.05.13
